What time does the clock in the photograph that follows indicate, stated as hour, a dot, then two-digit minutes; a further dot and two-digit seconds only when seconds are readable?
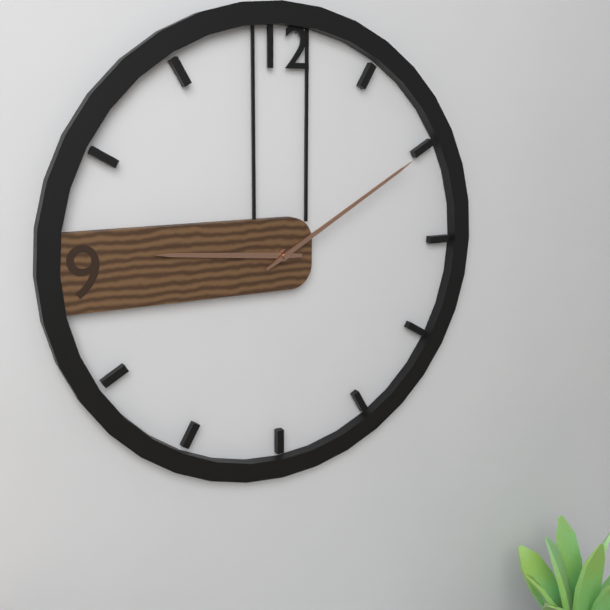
9.10
